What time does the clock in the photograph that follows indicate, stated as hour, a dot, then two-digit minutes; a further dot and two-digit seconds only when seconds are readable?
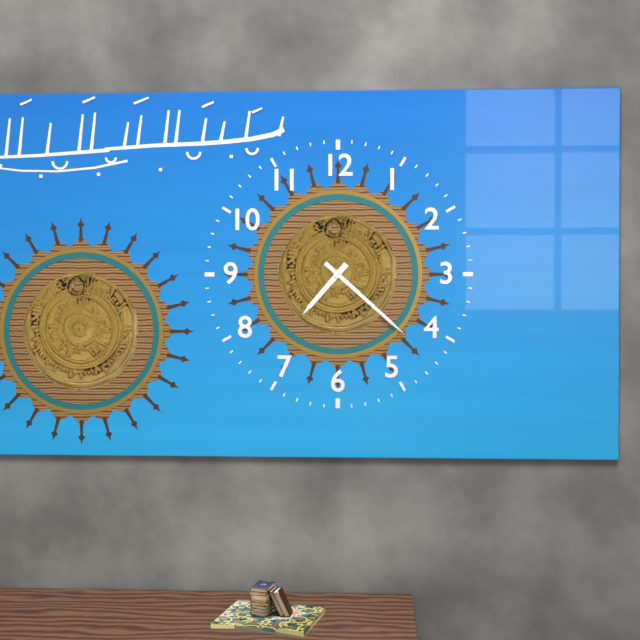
7.22
